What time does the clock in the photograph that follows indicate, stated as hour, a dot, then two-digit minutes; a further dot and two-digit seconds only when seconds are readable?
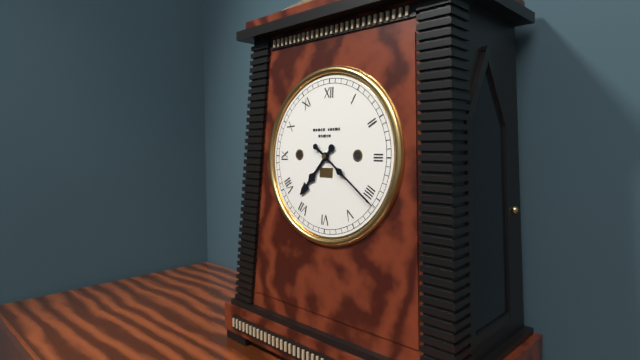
7.21
